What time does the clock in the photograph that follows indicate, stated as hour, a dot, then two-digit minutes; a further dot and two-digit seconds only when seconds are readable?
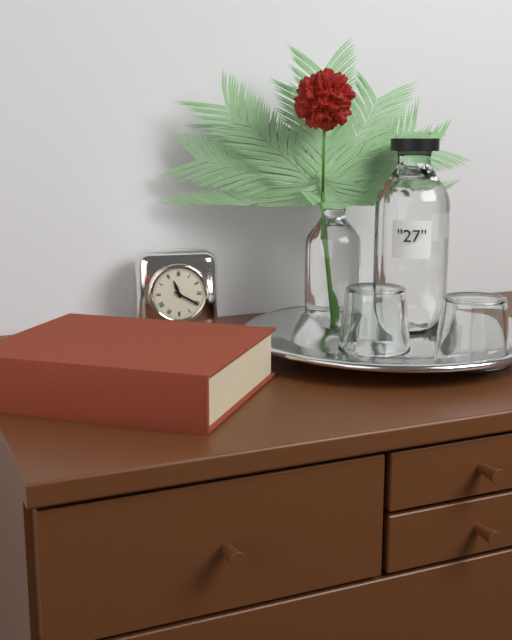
11.20
